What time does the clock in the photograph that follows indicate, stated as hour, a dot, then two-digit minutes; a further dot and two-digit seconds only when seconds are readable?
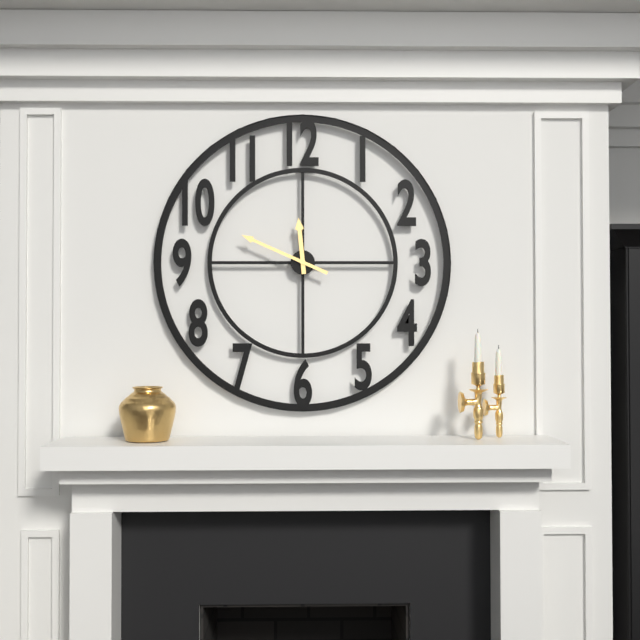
11.49
